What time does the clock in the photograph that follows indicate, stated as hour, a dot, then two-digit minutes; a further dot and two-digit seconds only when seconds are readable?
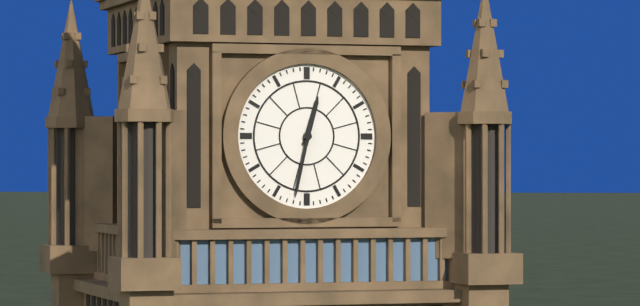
12.32
